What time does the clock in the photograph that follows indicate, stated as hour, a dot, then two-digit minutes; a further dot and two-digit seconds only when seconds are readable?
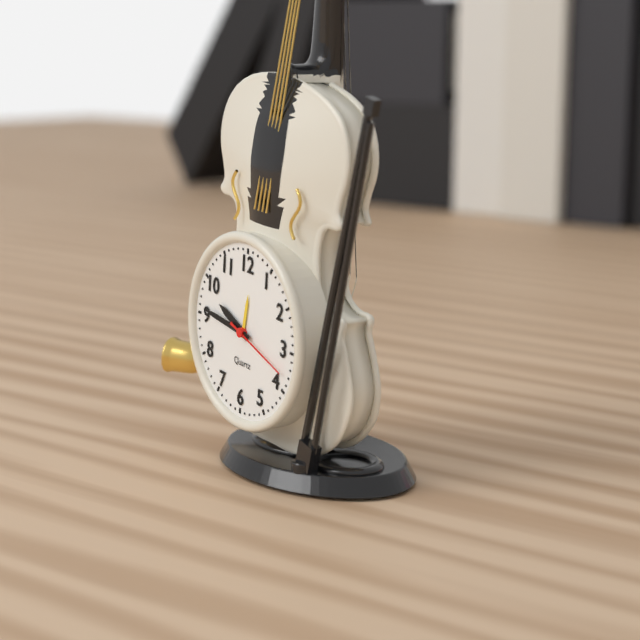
9.46.18
